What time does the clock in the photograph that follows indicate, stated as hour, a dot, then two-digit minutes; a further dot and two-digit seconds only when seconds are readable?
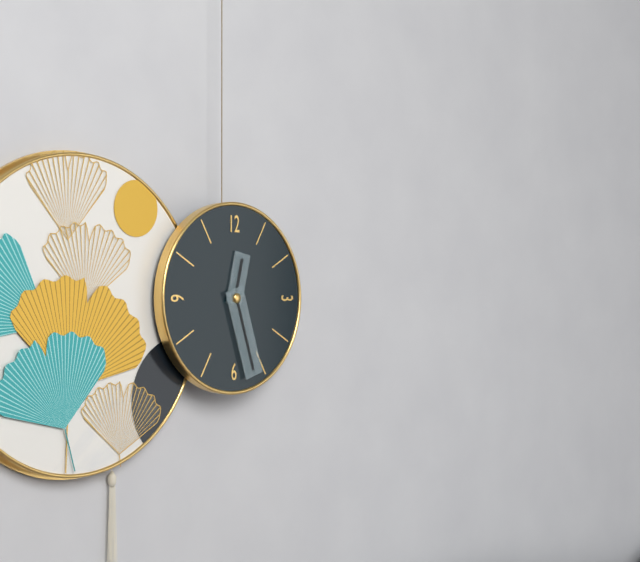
12.27
